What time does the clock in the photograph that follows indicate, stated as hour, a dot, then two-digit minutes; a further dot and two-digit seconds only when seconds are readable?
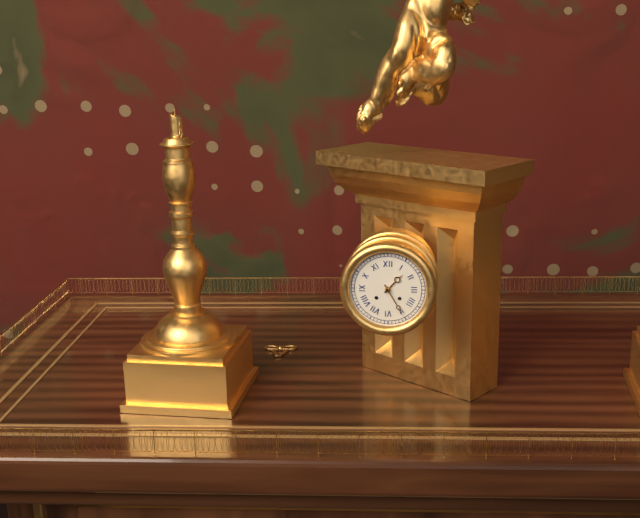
1.25
